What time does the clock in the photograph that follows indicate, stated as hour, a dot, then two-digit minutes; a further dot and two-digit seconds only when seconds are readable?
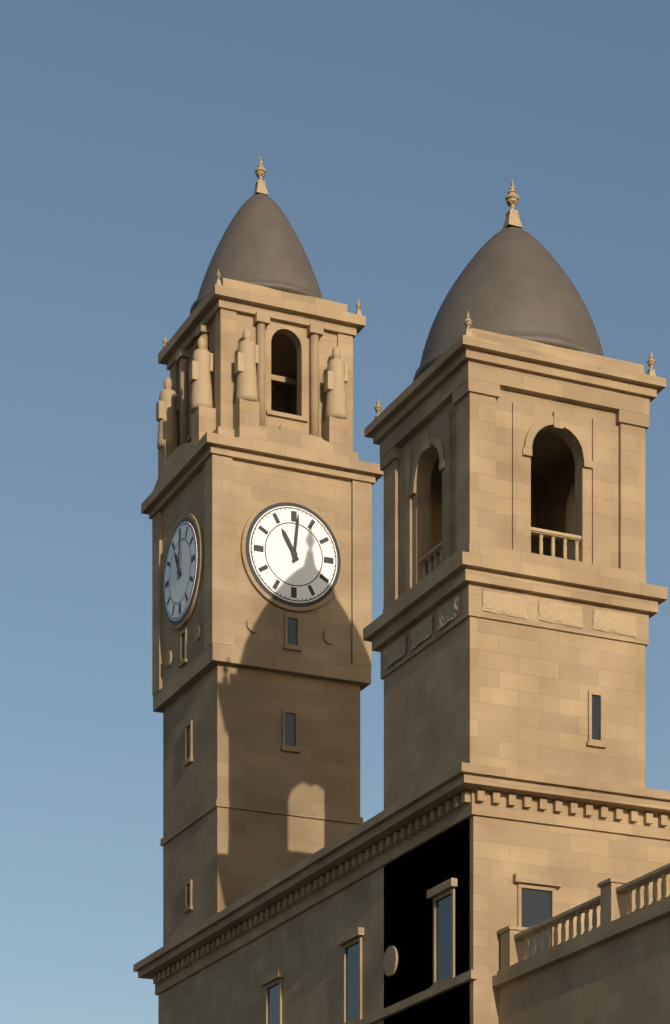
11.01
